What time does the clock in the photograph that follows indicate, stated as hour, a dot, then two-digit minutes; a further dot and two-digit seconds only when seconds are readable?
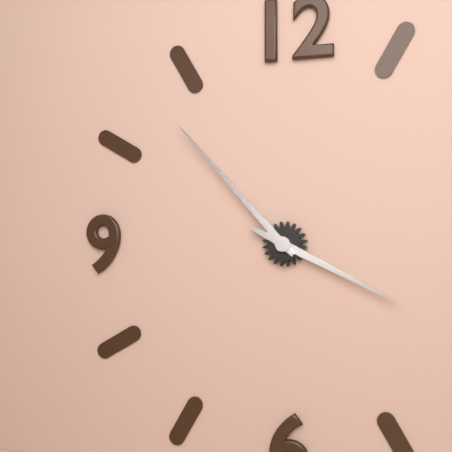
3.53
